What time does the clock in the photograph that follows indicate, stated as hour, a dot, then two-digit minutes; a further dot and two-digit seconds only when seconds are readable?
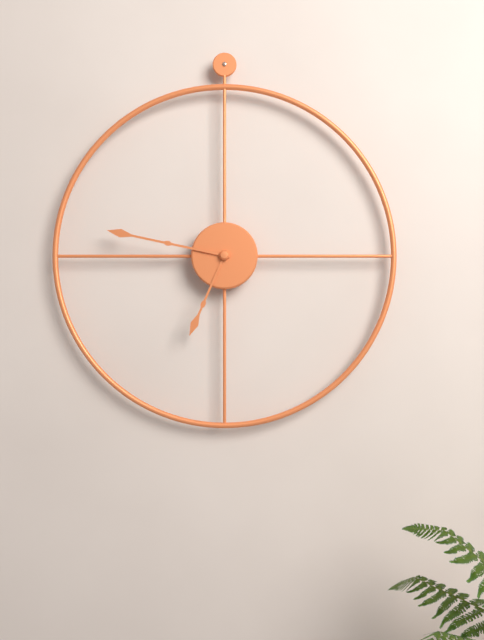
6.47
